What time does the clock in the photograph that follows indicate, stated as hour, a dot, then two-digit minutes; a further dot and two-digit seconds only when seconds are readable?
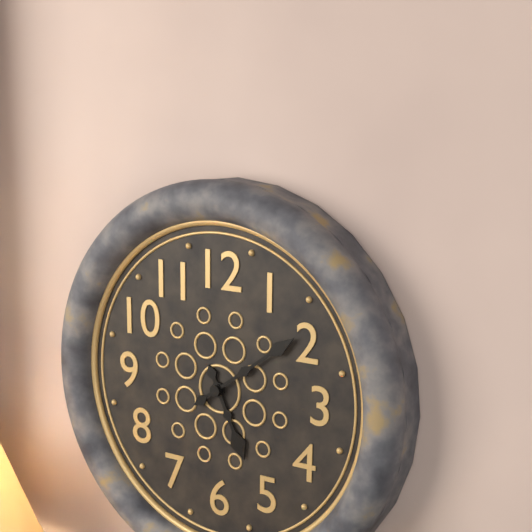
5.09
